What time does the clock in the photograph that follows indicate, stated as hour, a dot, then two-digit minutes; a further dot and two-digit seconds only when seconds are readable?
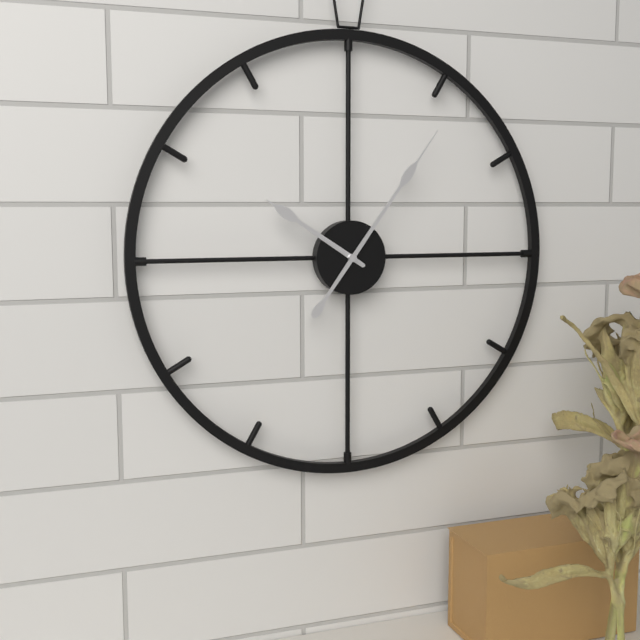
10.06
